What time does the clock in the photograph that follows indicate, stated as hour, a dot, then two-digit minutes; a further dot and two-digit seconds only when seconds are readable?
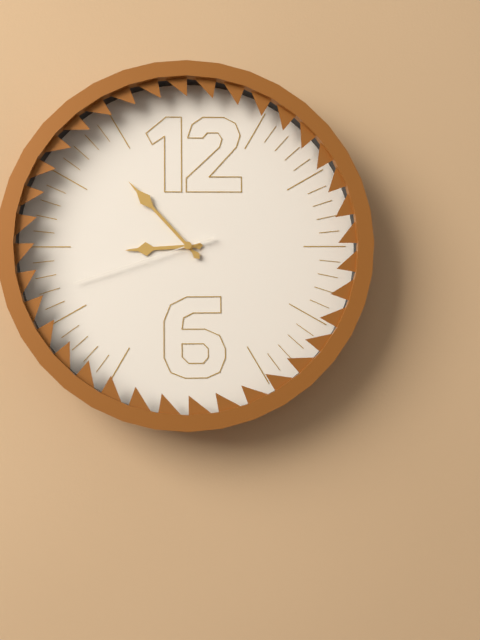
8.53.42
